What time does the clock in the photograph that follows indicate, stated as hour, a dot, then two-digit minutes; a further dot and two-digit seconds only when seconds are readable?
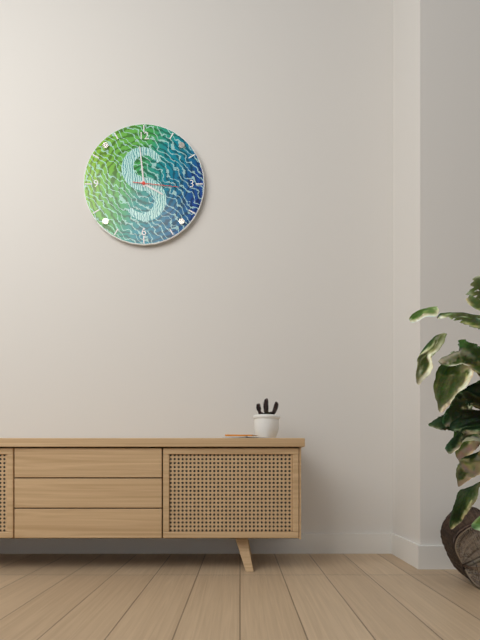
3.59
